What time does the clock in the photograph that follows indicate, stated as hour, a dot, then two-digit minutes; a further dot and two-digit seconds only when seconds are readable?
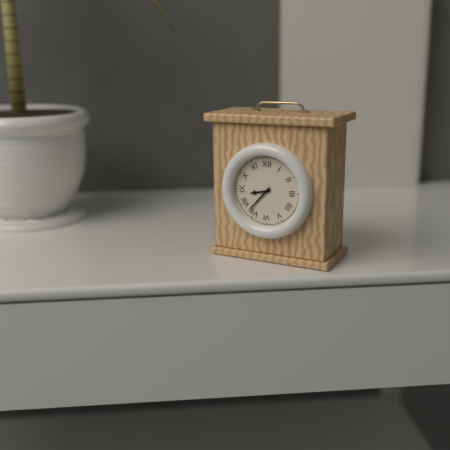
8.37
